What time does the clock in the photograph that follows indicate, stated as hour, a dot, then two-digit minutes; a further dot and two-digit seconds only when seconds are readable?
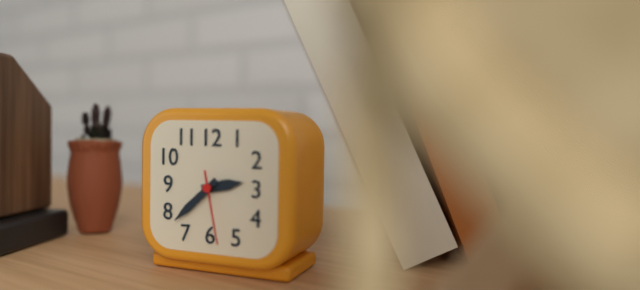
2.38.28
